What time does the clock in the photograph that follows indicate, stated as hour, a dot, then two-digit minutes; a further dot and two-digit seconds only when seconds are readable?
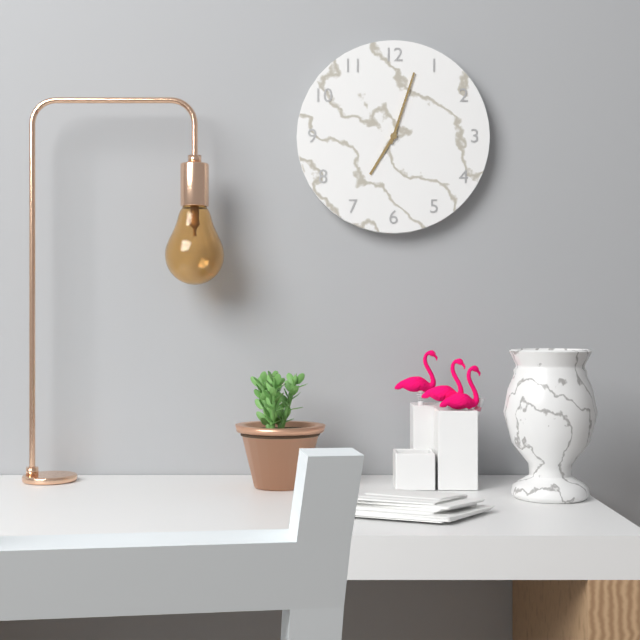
7.03
